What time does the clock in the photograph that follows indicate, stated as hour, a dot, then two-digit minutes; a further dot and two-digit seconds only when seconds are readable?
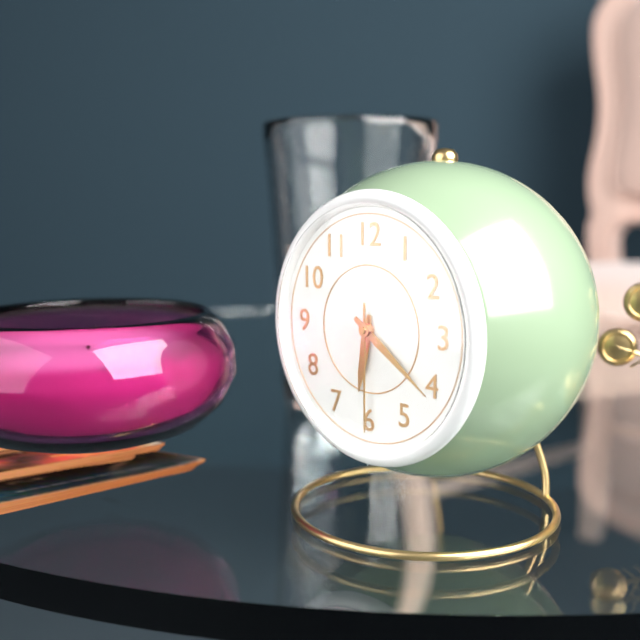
6.21.30
